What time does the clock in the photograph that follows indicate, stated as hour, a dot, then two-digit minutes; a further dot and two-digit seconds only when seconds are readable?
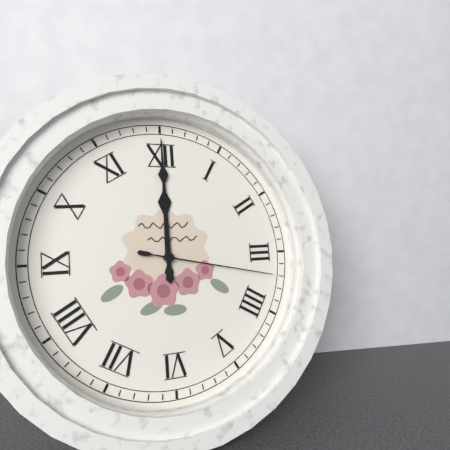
12.00.17
